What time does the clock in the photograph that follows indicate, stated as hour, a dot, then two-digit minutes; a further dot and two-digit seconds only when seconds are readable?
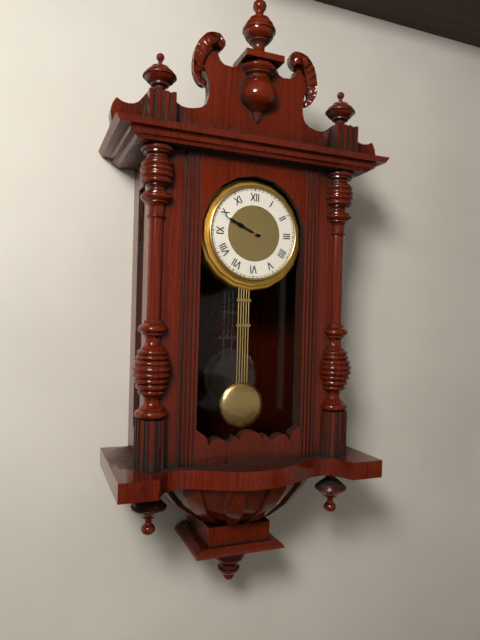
9.49
